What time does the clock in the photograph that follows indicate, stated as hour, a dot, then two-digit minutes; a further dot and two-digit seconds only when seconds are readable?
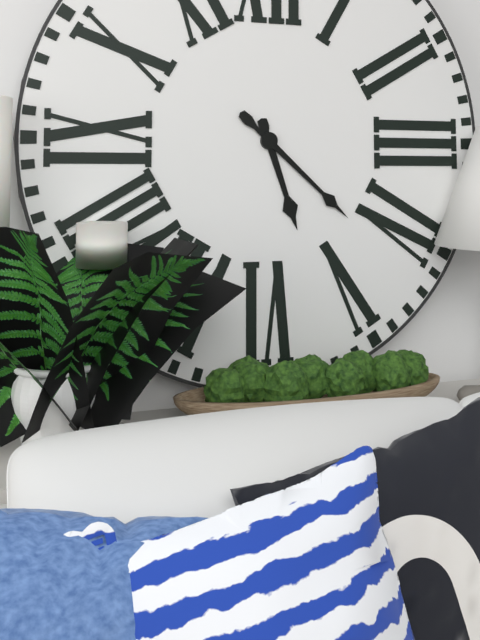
5.22
